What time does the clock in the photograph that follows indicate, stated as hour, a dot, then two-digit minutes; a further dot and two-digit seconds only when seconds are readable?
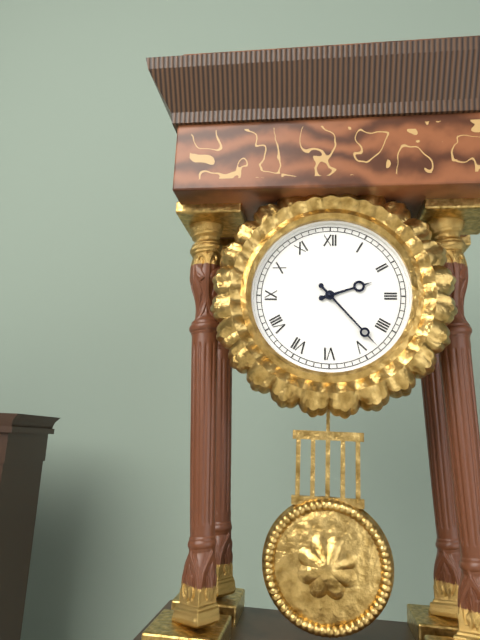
2.23
